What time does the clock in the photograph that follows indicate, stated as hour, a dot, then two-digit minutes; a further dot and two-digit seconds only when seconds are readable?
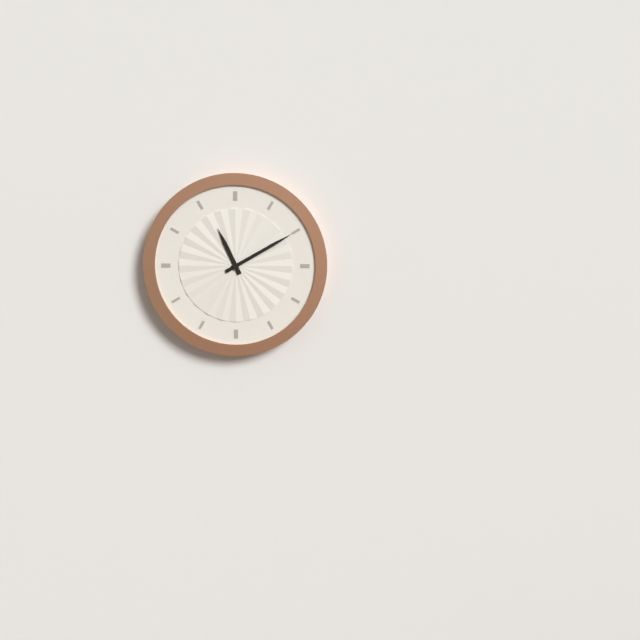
11.10
